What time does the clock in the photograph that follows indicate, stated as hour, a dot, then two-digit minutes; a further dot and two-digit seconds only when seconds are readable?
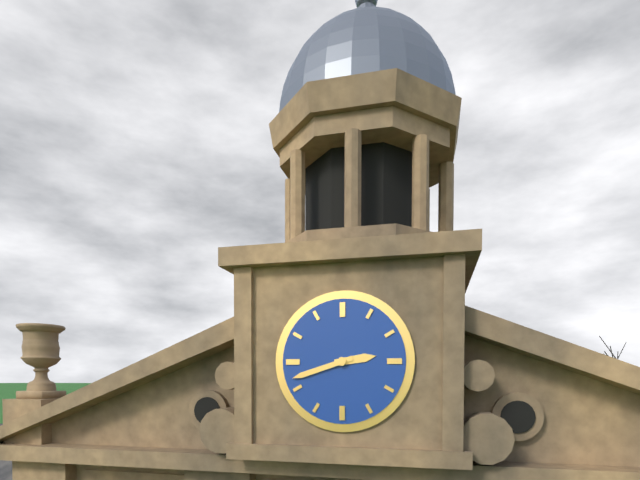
2.42
